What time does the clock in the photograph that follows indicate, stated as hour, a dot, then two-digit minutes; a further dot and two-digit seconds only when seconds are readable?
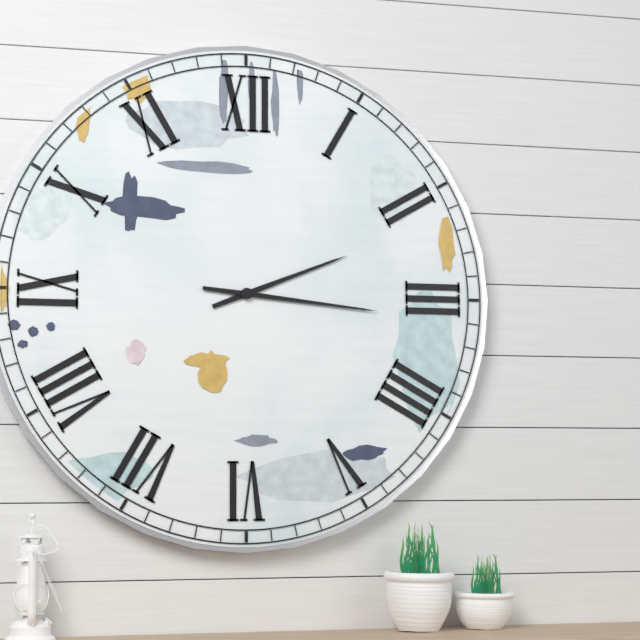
2.16
